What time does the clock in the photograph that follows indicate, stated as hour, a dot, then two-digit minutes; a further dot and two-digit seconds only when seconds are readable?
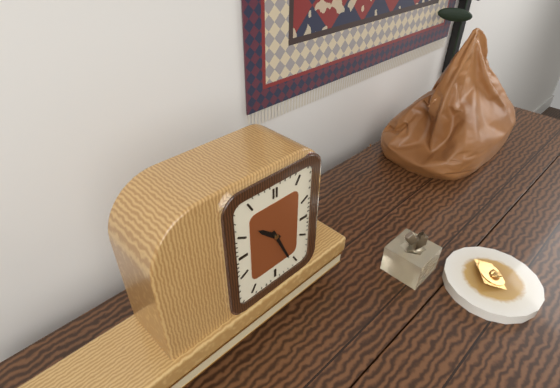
10.26
